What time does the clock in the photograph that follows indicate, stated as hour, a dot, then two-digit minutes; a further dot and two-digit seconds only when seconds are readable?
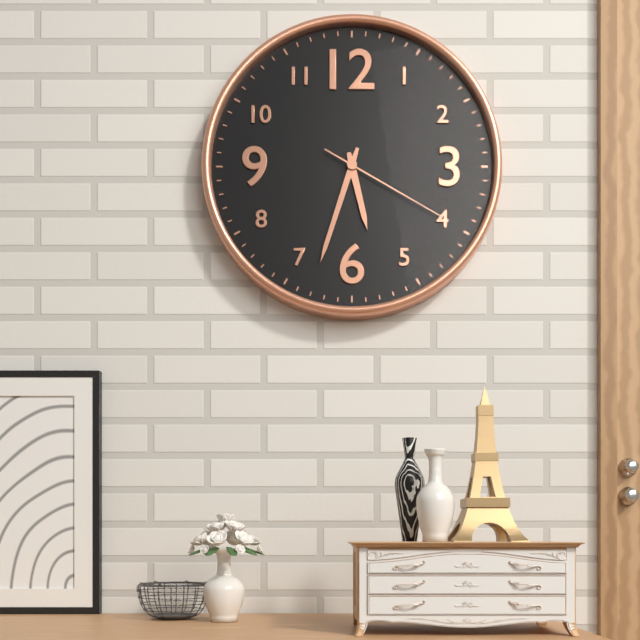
5.33.20
